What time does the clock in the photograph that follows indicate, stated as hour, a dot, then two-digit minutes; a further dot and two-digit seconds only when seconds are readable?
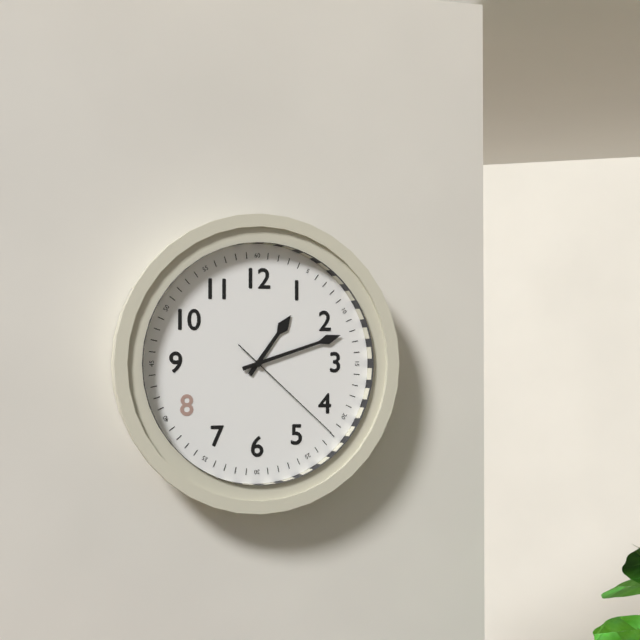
1.12.22
